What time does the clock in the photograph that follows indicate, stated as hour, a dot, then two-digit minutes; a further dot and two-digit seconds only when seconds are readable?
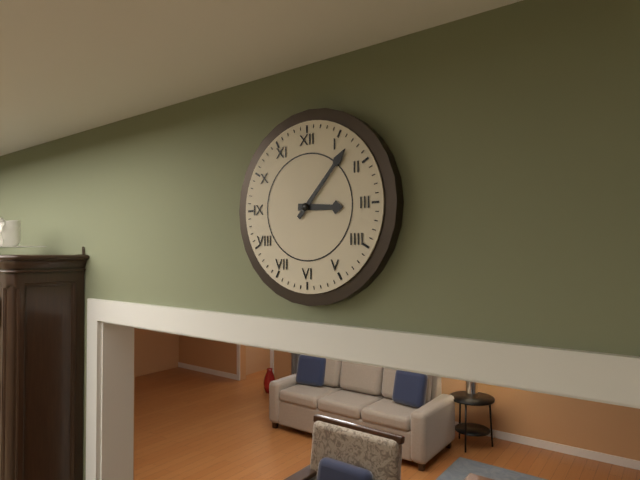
3.07
